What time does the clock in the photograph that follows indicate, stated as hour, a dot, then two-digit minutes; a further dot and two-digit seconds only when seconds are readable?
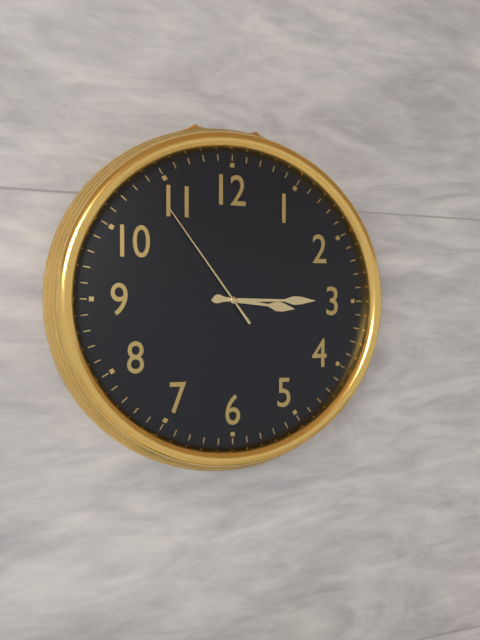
3.15.54
